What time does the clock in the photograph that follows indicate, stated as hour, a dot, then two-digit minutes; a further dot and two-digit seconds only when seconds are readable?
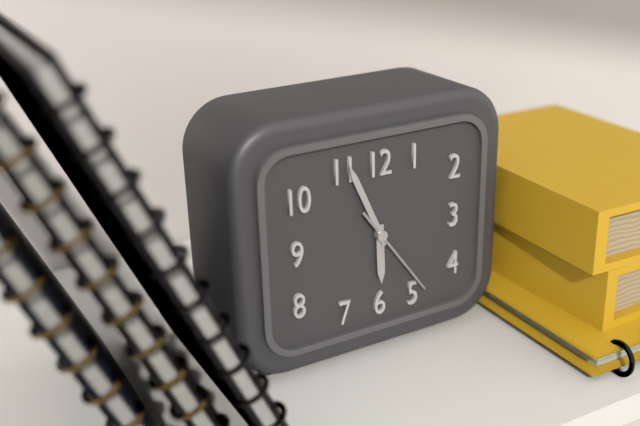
5.56.24
